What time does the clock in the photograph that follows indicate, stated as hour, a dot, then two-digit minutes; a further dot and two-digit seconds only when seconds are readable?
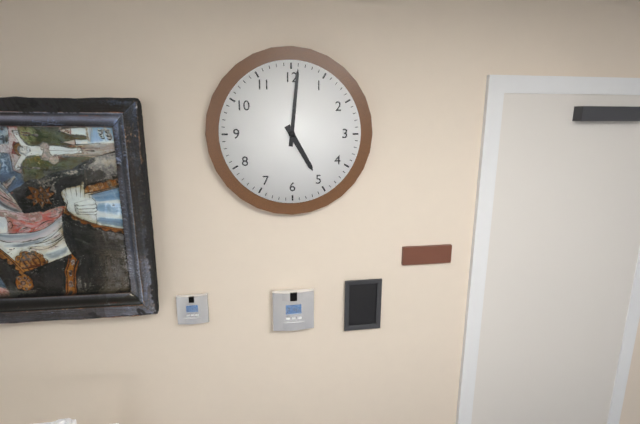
5.01
